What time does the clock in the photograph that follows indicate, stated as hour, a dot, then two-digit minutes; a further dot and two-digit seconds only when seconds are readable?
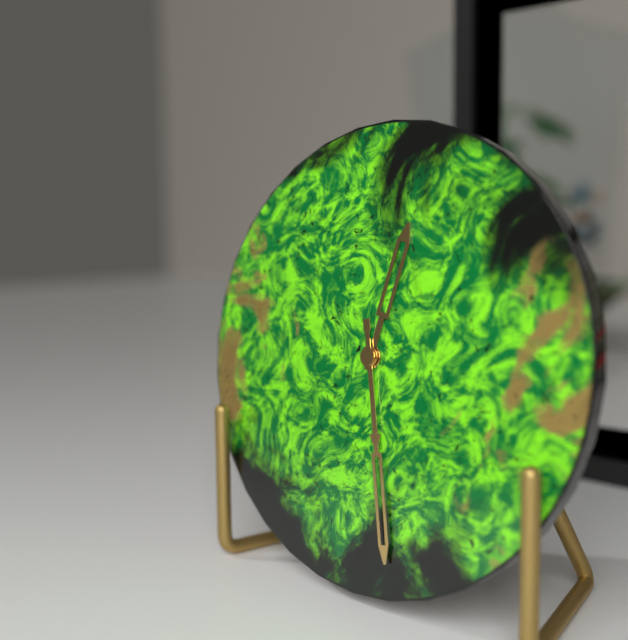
12.28
